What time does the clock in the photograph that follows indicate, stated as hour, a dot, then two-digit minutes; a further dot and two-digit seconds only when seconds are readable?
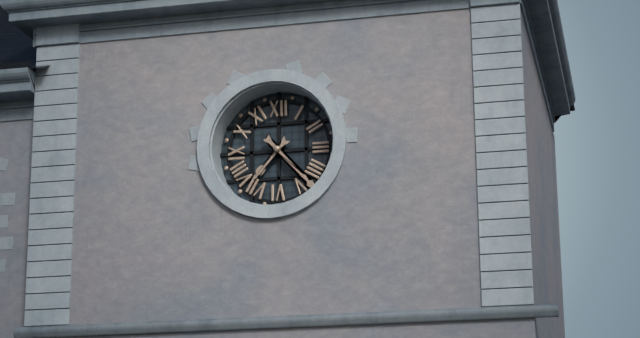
7.23
